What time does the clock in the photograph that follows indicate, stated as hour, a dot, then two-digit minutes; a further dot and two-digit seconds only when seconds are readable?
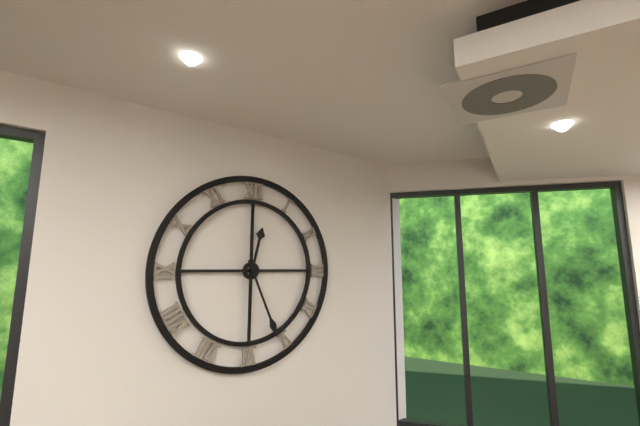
12.26
